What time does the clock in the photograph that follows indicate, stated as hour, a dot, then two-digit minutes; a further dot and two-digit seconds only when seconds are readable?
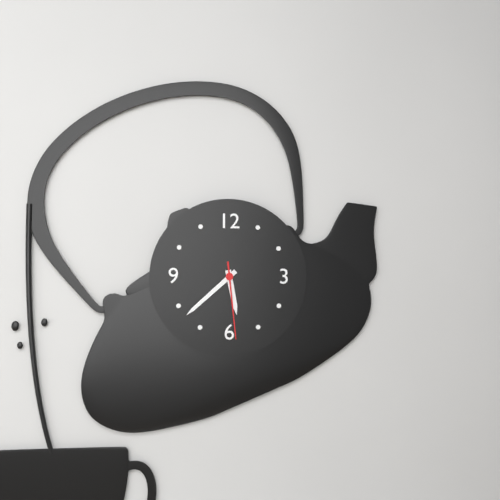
5.38.29
